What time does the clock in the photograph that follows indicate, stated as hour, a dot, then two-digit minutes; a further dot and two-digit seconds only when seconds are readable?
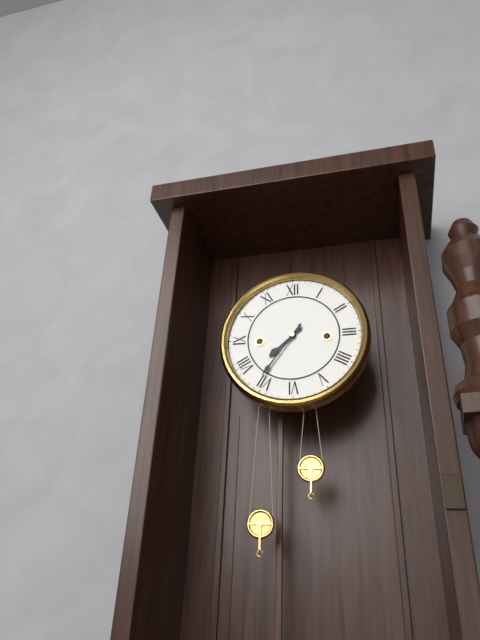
7.36
